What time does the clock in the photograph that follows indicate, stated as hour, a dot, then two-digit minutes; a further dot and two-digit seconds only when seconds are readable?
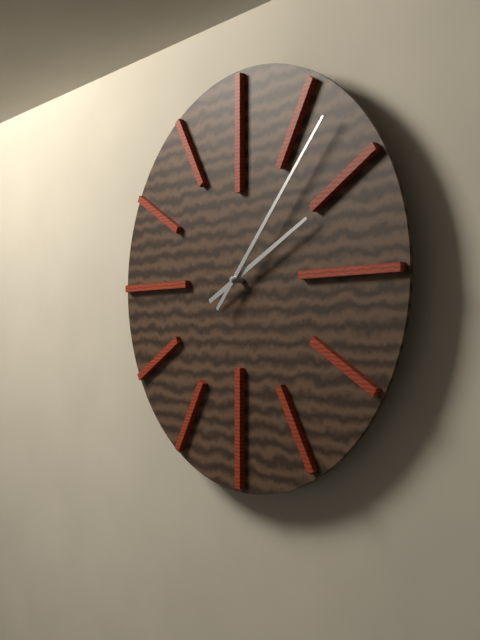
2.07
